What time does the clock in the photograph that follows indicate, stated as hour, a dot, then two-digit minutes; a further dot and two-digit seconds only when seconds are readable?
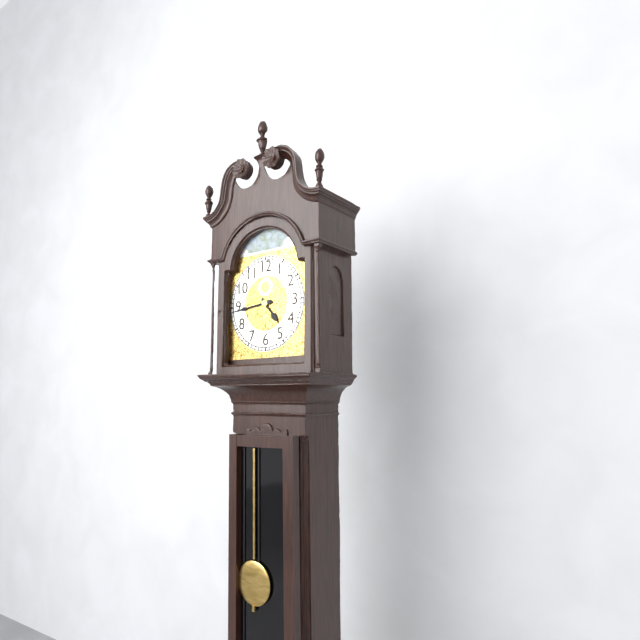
4.44
